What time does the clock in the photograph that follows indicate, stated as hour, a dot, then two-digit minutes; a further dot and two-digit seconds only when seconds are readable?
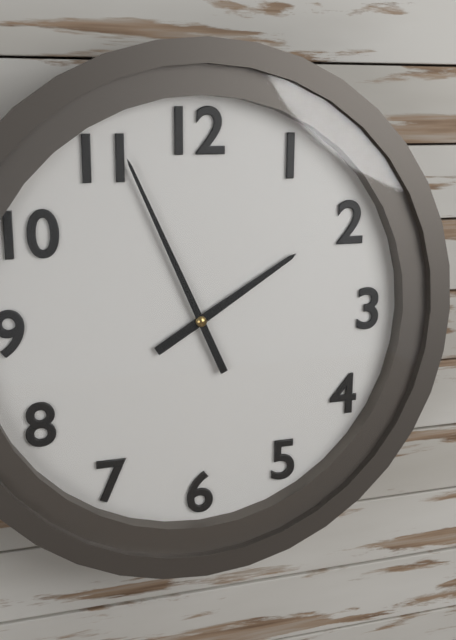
1.56
